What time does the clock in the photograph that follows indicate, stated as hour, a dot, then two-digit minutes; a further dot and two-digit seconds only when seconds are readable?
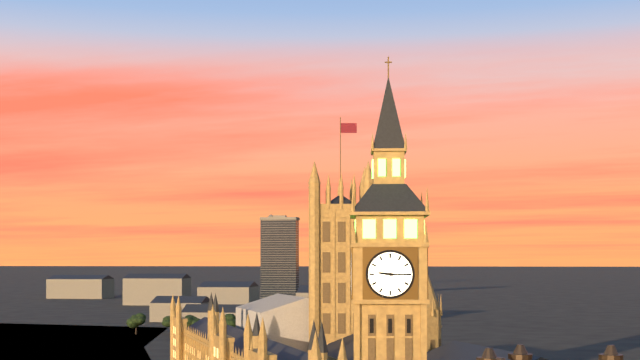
9.15
